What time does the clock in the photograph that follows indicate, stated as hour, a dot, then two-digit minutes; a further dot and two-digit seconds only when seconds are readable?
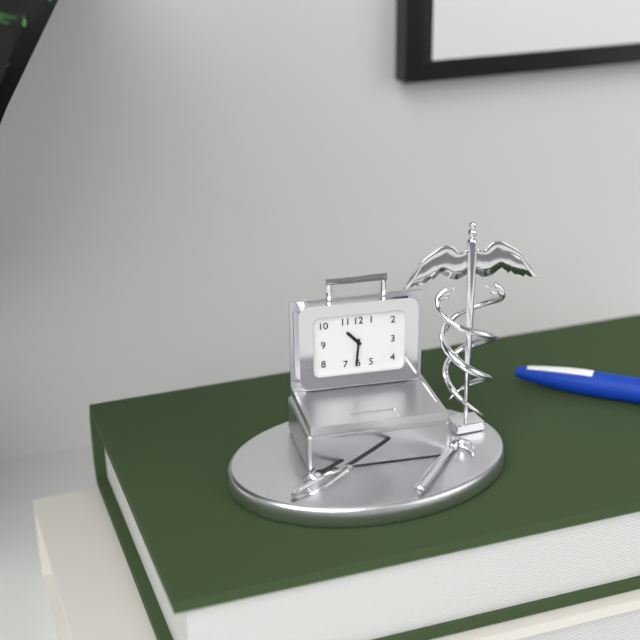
10.31
